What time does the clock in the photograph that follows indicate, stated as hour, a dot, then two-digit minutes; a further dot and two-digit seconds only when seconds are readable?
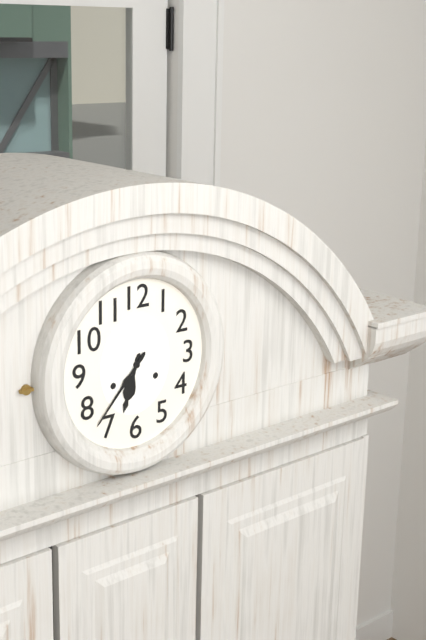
6.37
